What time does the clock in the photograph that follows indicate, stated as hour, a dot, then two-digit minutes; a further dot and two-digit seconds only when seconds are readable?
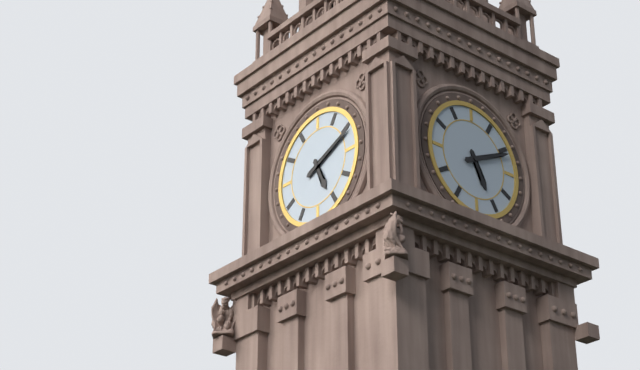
5.11
